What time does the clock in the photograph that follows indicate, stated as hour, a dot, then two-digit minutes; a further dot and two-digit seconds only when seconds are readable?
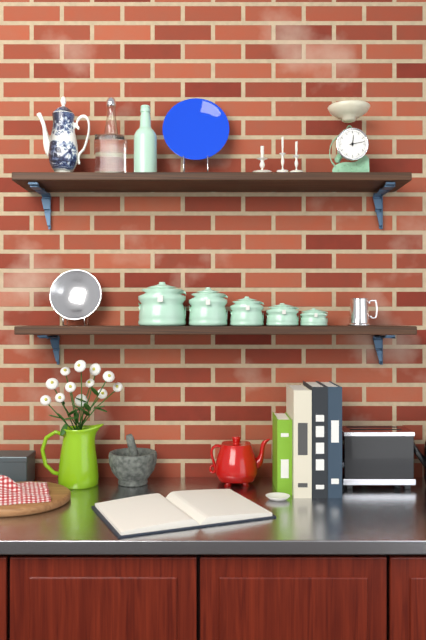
12.13
